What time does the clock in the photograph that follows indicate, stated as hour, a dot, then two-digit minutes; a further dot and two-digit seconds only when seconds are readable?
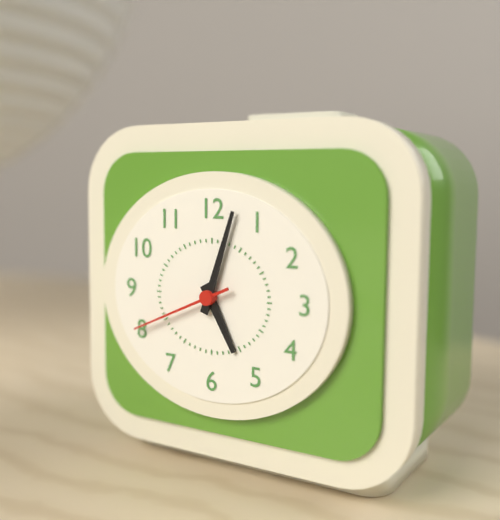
5.03.41
